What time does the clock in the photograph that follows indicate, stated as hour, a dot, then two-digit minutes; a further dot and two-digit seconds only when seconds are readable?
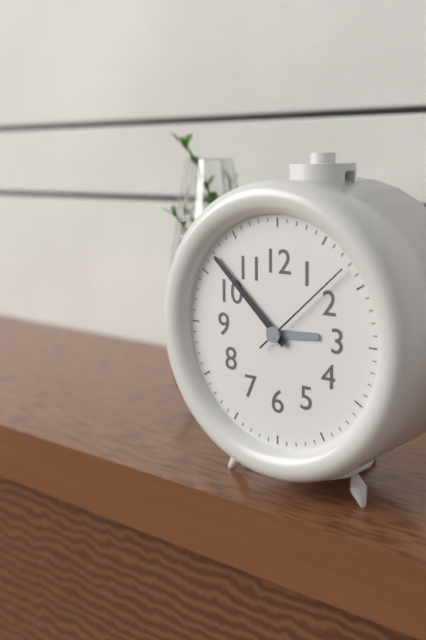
2.52.08
